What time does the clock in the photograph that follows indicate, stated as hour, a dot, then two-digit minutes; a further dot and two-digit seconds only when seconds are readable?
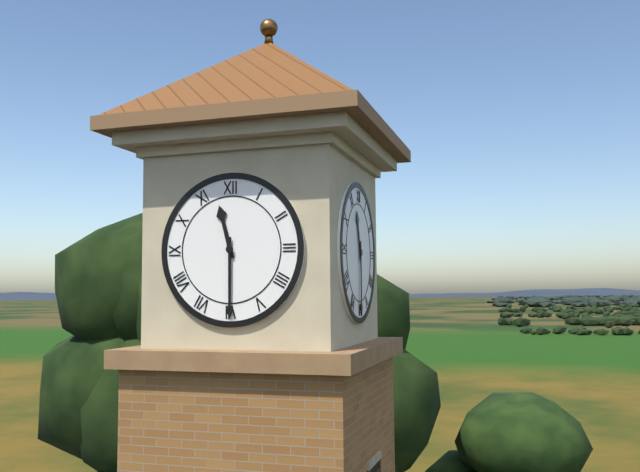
11.30
